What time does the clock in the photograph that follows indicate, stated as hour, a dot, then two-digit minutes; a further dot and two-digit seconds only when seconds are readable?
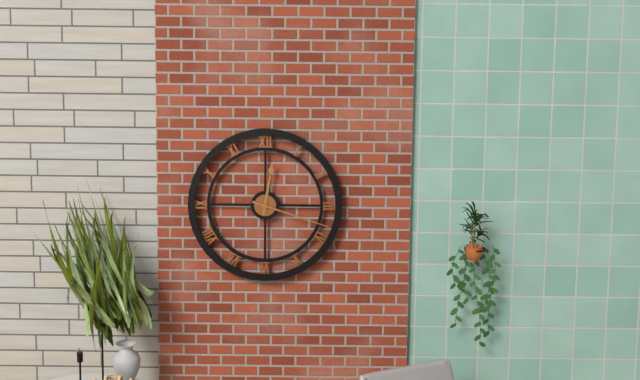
12.18
